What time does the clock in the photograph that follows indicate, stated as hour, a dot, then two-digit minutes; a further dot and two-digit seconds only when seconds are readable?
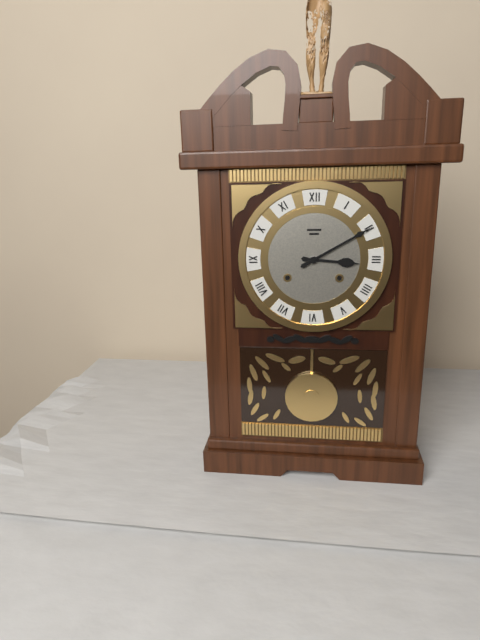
3.10
